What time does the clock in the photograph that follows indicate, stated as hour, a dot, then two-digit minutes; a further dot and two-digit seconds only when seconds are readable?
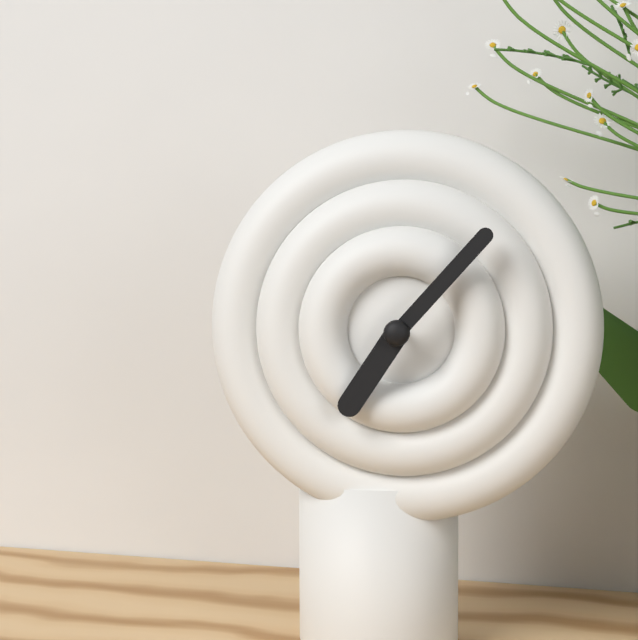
7.07
